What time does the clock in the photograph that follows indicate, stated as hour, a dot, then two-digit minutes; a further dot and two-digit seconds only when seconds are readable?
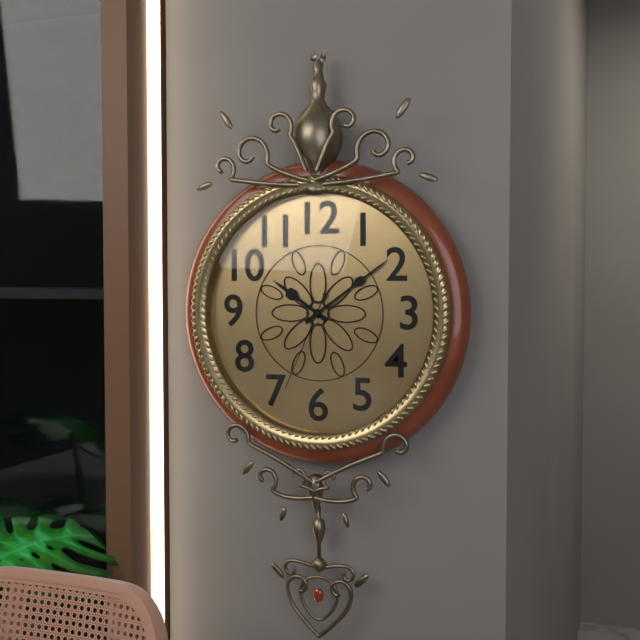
10.09.34
